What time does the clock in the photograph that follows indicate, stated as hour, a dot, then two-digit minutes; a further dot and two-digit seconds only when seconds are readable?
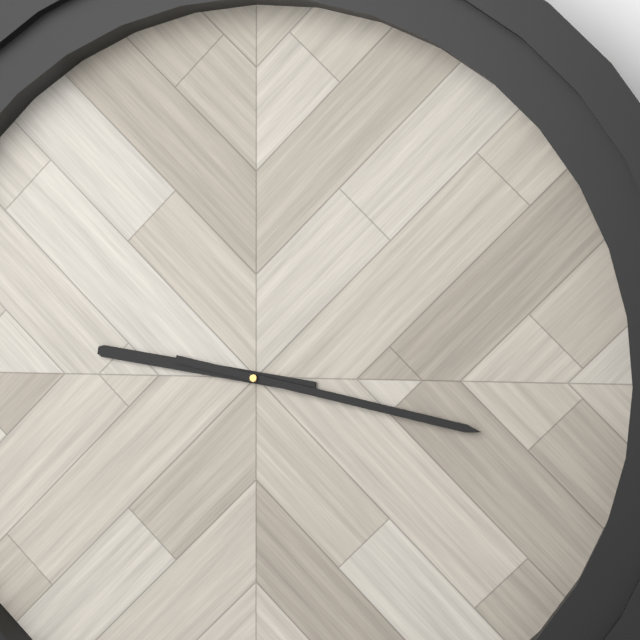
9.17
